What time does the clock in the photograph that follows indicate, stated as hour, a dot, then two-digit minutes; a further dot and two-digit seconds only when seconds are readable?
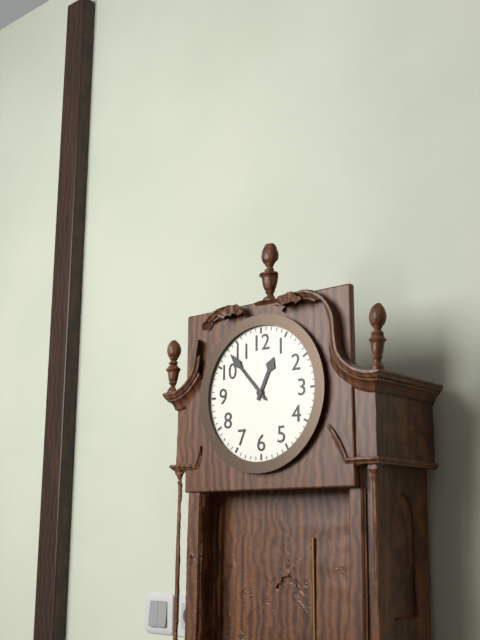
12.53
